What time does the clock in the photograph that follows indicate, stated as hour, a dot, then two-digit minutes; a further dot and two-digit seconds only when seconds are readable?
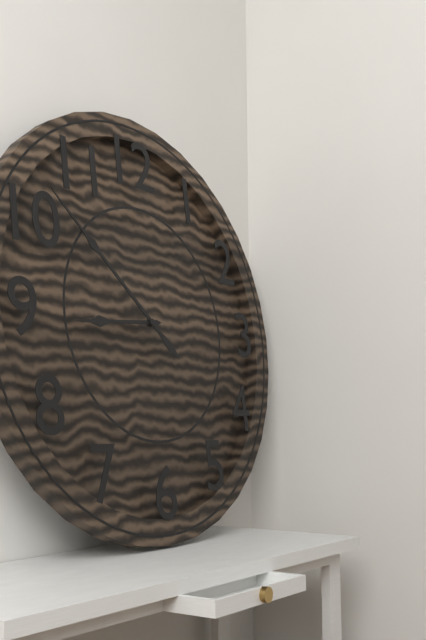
8.52
